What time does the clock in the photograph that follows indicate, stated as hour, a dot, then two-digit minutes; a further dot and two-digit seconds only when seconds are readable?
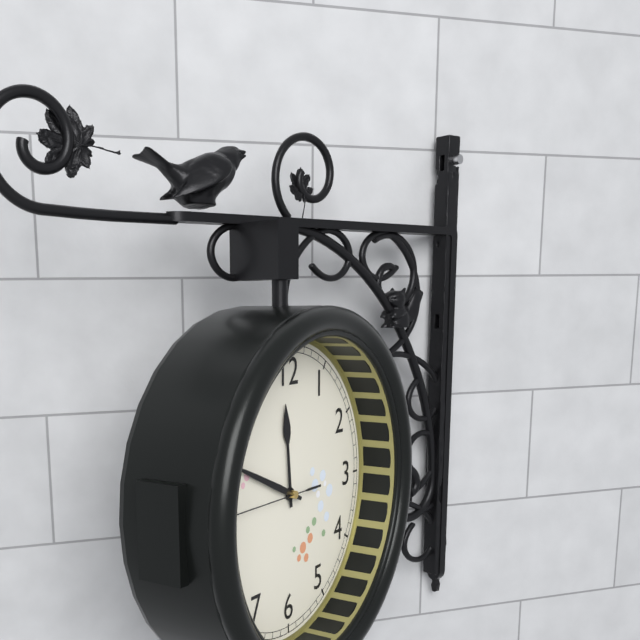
11.49.45
